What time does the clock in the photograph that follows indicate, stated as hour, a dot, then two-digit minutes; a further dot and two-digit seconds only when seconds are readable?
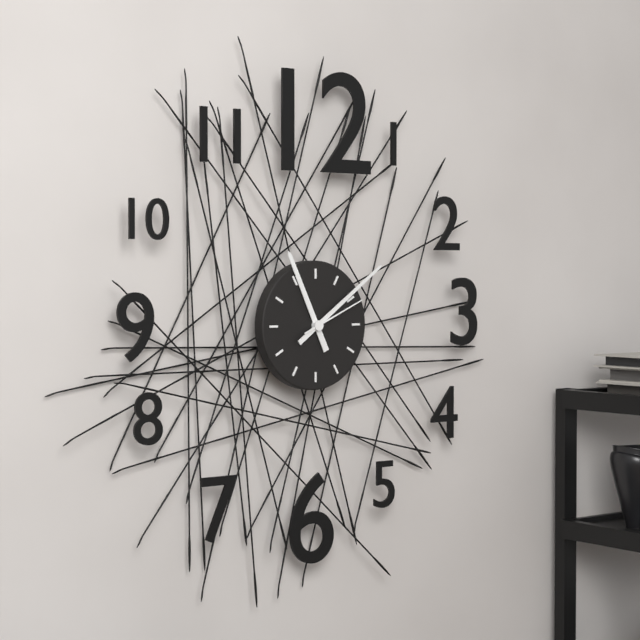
11.09.11
